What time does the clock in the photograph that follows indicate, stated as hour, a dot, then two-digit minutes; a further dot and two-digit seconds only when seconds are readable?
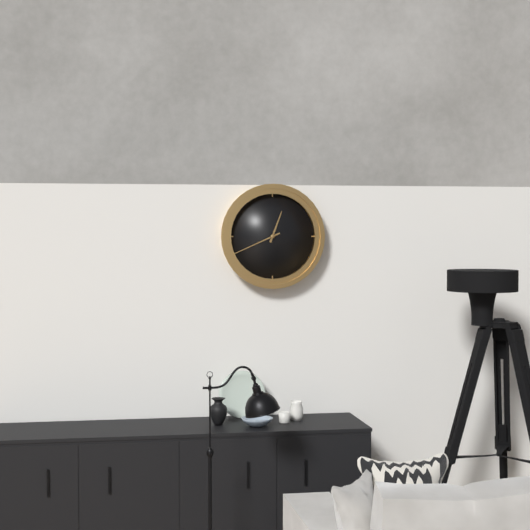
12.41
